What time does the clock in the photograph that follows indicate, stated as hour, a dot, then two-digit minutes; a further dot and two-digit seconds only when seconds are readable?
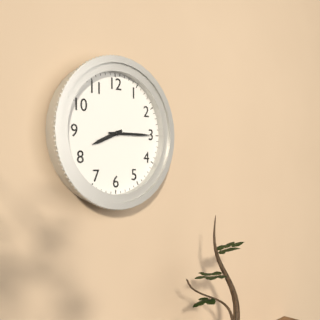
8.15
